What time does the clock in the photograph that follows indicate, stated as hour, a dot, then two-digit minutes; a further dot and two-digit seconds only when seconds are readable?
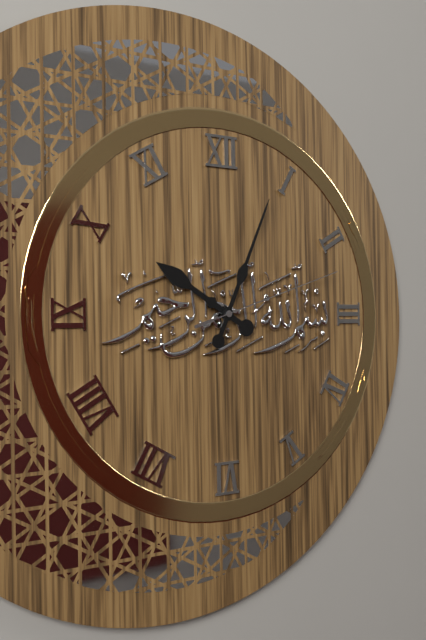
10.04.12
